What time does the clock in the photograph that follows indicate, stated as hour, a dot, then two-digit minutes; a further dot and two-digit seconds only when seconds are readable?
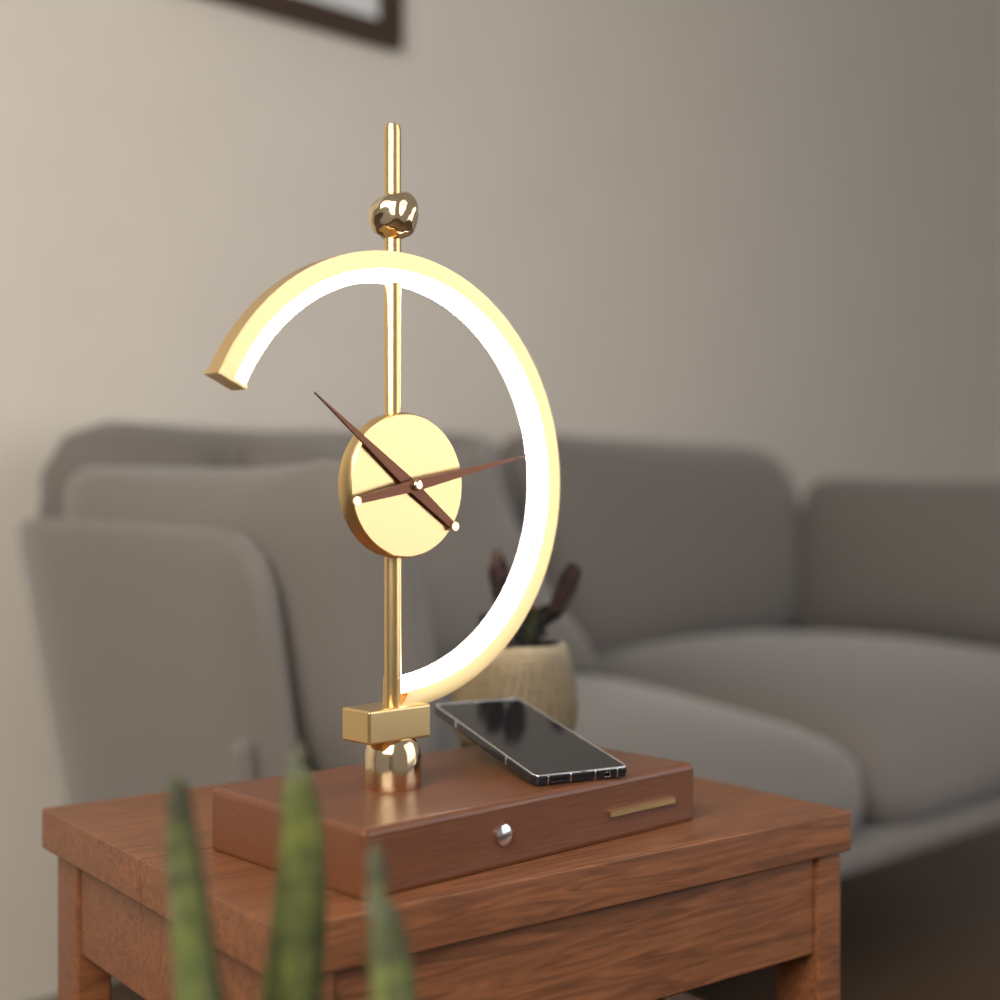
10.13
